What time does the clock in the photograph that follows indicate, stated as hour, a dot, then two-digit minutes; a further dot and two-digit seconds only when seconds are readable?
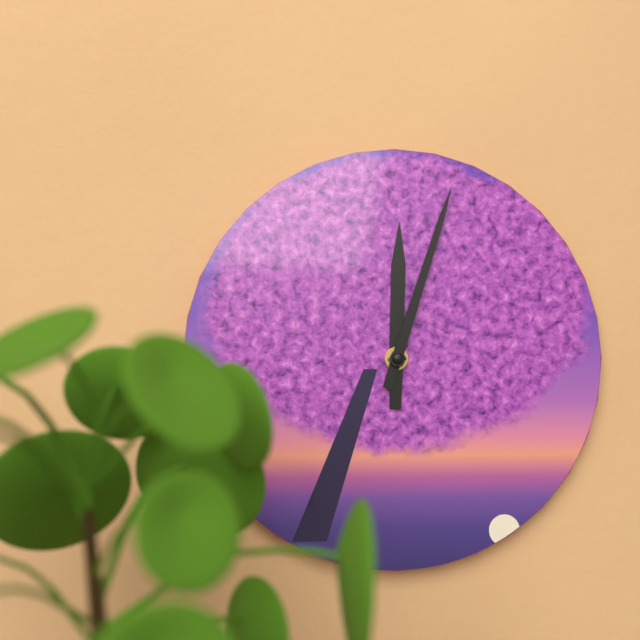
12.03
